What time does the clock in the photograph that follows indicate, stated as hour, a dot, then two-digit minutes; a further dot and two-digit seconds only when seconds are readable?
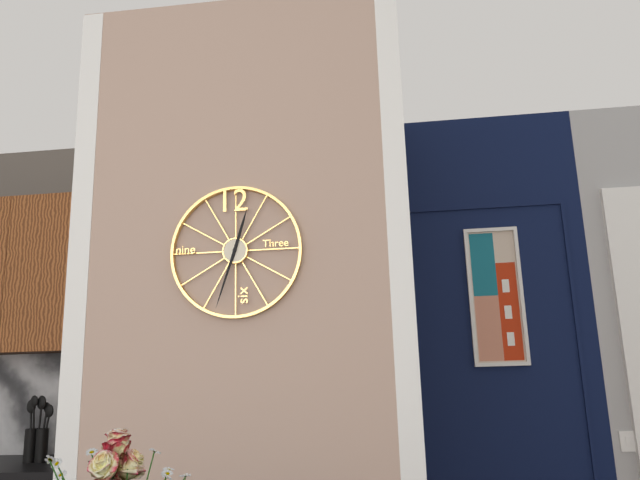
12.33
